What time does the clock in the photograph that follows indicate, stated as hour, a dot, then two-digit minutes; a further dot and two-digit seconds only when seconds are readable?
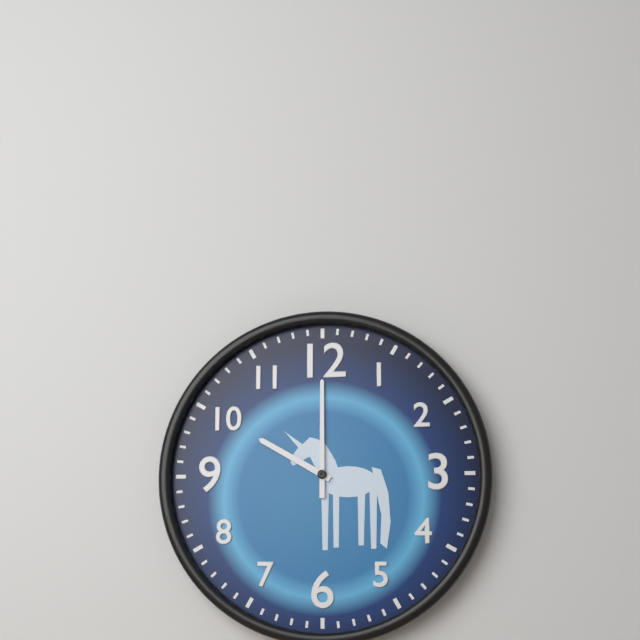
10.00
